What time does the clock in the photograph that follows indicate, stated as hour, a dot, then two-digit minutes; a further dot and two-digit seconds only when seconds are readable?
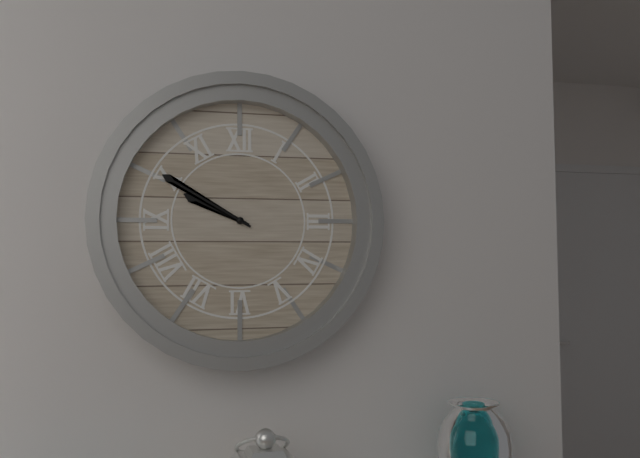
9.50
